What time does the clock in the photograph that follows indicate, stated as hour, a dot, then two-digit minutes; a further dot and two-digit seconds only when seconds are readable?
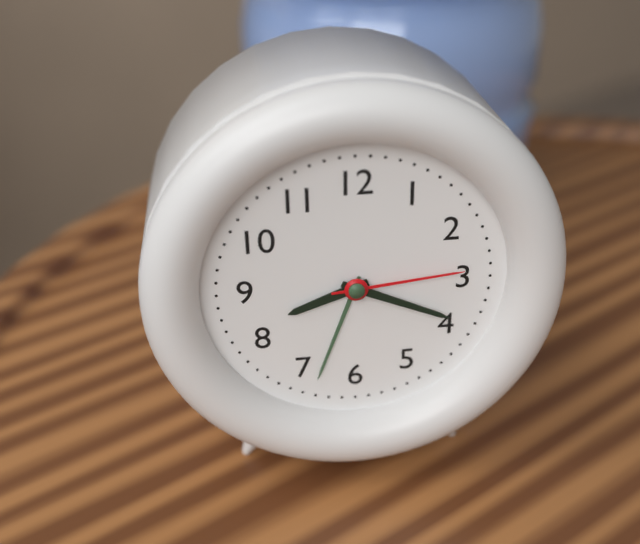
8.19.14
